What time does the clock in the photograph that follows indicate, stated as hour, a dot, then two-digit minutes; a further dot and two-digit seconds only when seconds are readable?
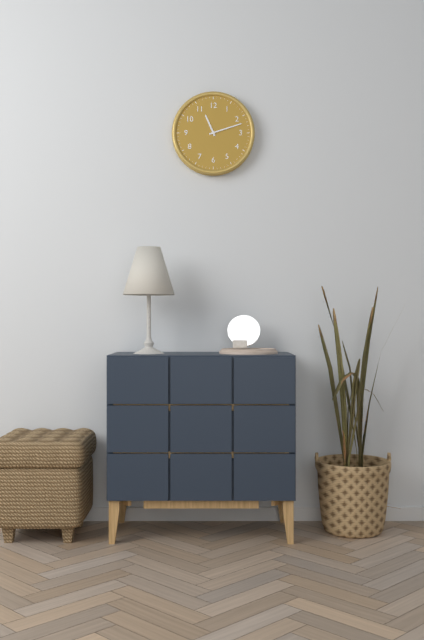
11.12
